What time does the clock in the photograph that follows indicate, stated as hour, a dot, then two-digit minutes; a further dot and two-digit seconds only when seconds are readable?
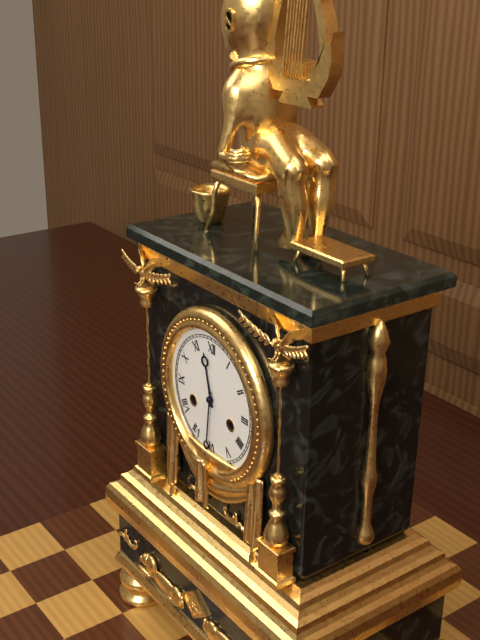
11.31
